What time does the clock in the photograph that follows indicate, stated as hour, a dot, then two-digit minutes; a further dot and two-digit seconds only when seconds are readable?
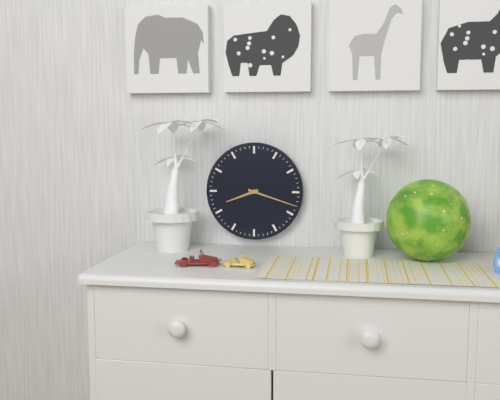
8.18
